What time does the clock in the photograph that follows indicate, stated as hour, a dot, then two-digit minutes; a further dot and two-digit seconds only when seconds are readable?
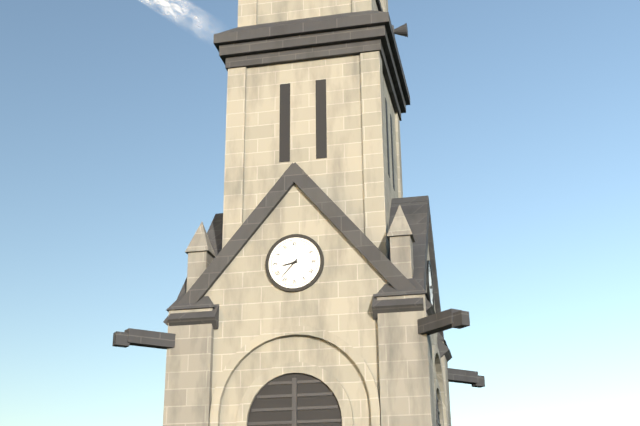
8.37
